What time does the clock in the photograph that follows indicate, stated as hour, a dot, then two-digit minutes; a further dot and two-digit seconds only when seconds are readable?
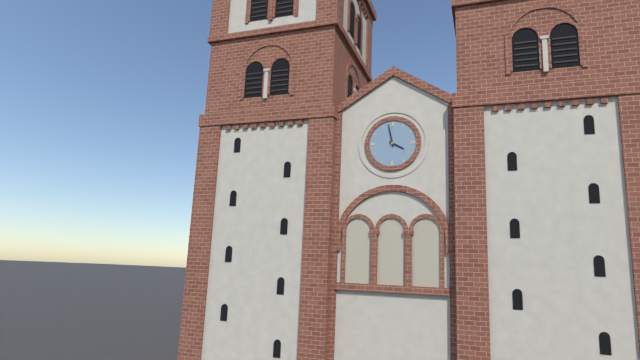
3.58
